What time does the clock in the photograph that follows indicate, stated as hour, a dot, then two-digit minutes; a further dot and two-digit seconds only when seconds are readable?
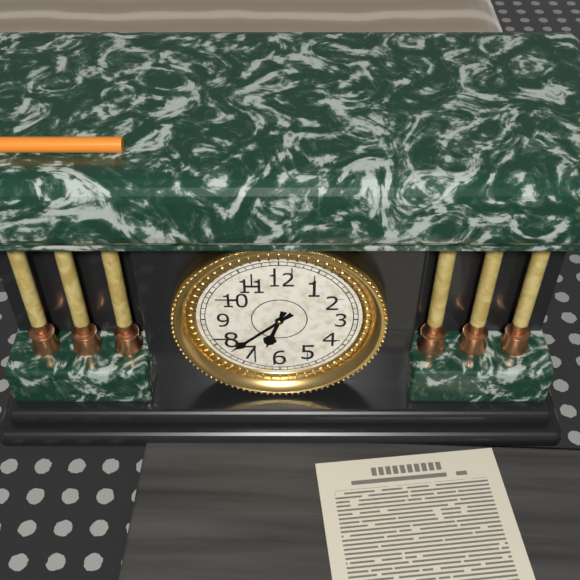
6.38
